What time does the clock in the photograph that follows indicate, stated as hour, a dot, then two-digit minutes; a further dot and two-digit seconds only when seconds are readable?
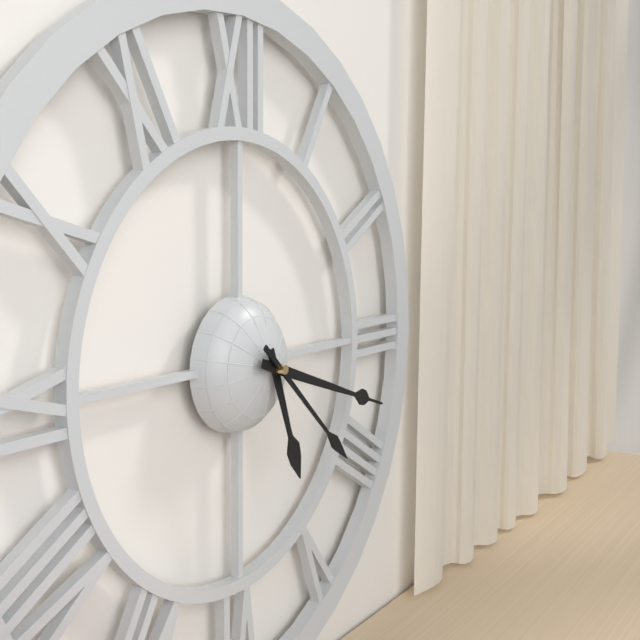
5.18.22
